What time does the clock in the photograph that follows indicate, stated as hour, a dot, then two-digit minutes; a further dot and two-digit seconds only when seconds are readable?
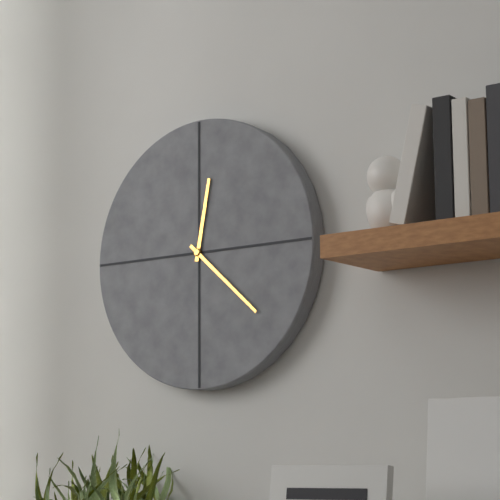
12.22
